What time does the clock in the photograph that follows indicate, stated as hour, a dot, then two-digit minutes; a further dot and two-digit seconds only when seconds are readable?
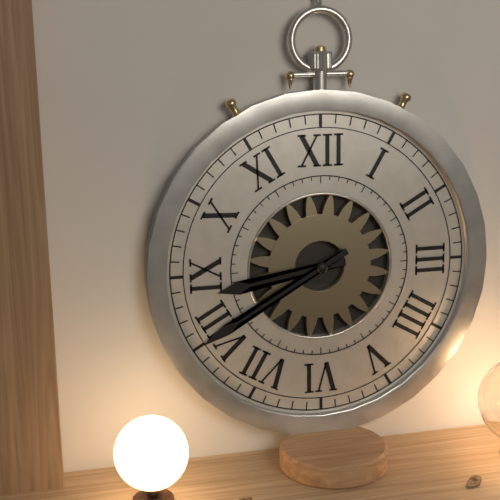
8.40
